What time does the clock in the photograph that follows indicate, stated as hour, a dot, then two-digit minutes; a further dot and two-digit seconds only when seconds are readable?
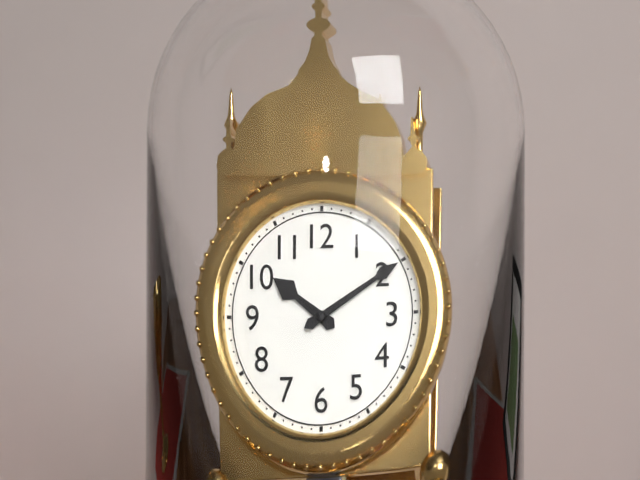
10.10
